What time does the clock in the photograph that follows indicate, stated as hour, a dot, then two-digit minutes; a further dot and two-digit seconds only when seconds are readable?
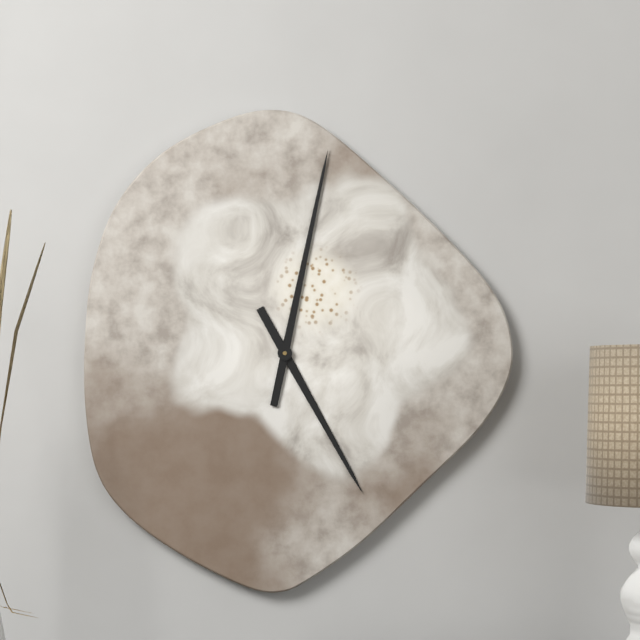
5.02
